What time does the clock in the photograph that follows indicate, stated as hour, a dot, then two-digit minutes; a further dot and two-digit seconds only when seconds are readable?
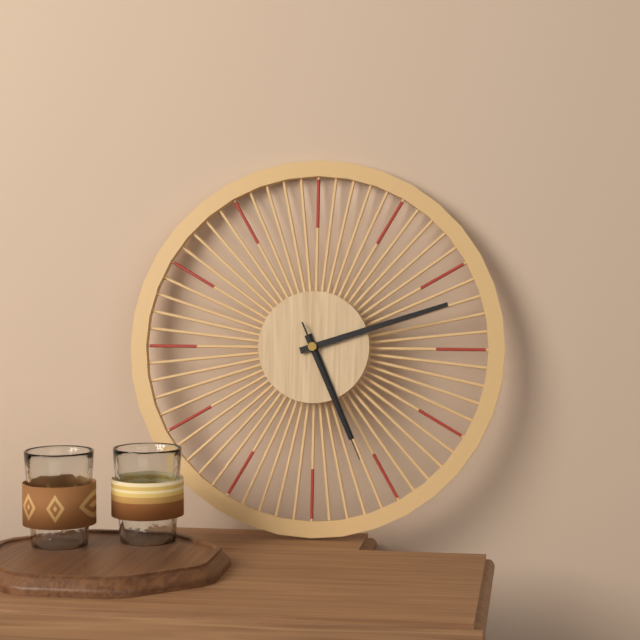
5.12.26
